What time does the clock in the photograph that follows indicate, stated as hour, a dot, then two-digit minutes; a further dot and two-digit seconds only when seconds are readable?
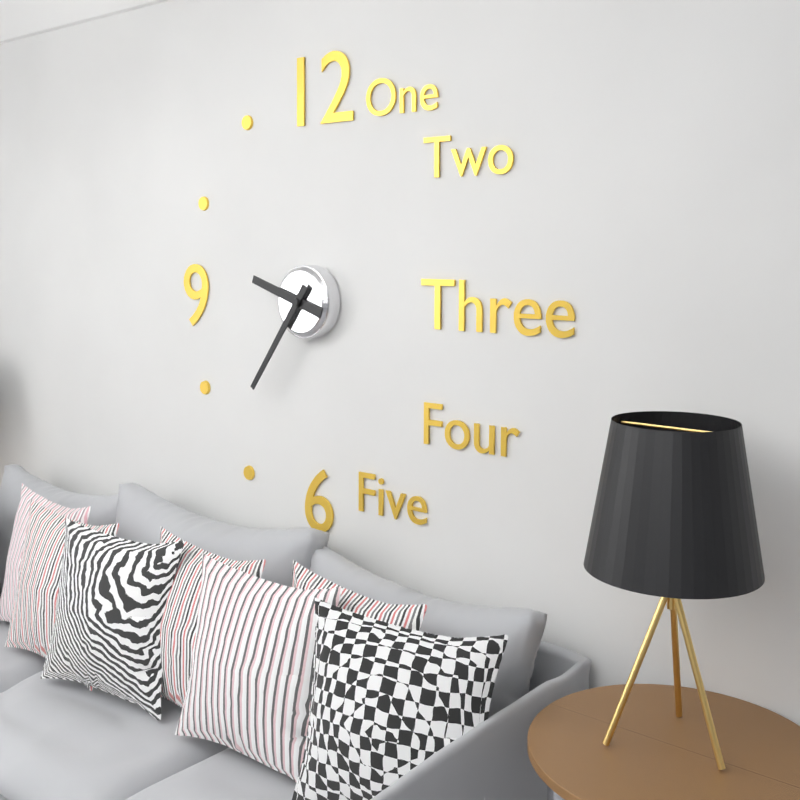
9.36
